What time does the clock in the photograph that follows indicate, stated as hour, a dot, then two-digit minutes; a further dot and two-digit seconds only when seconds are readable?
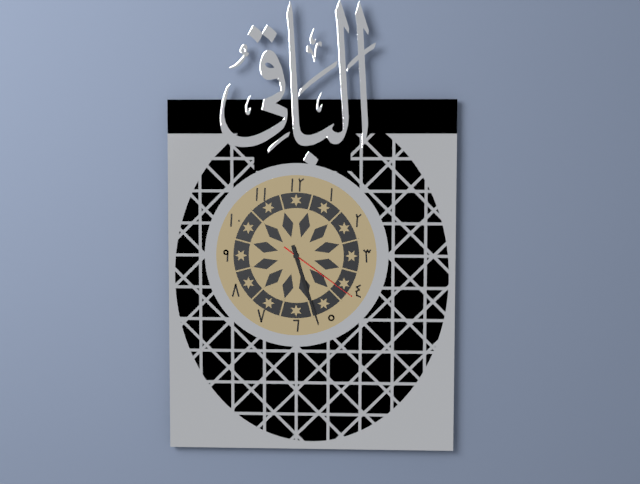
5.27.21
